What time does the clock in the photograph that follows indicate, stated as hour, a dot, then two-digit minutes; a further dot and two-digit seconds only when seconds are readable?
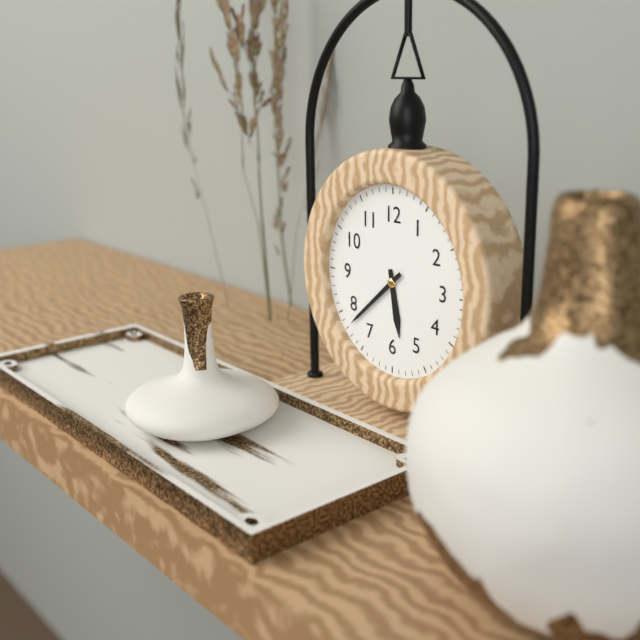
5.38
